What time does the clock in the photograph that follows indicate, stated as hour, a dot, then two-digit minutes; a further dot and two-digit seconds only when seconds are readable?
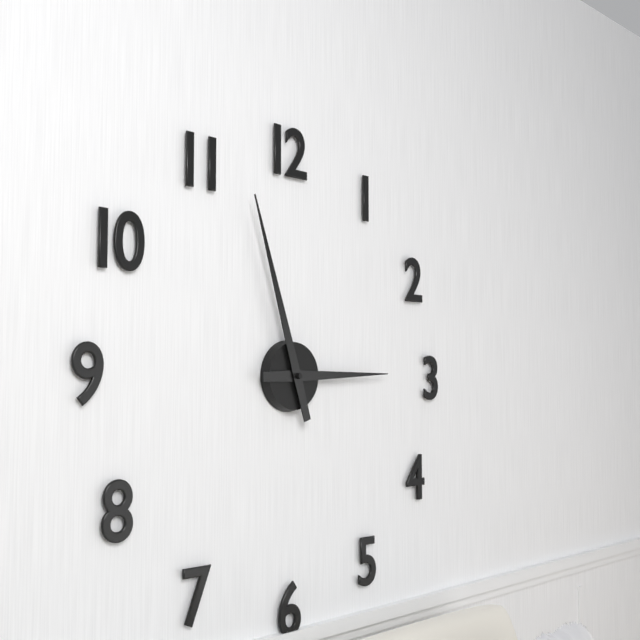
2.57
